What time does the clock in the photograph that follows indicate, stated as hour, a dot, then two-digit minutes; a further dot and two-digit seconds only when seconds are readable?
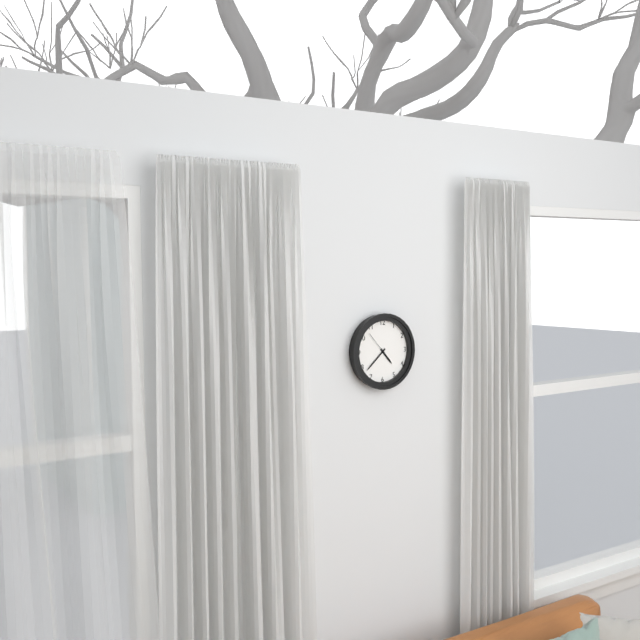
4.38
